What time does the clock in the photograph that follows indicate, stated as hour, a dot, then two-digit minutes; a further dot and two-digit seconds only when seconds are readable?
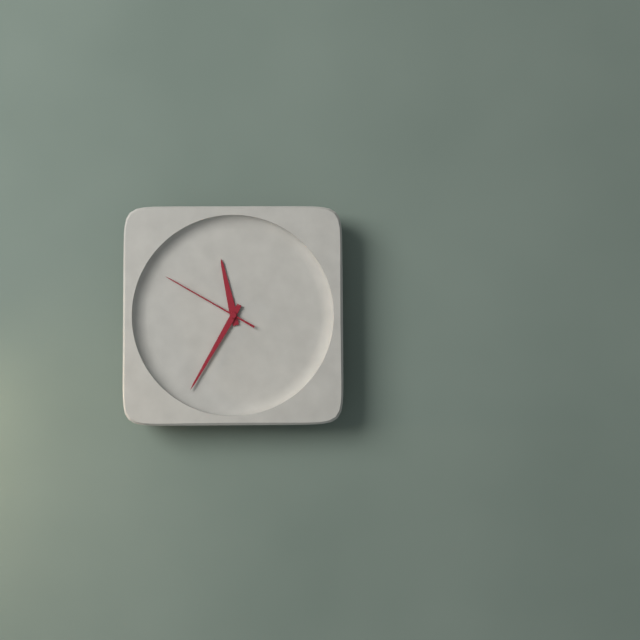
11.35.50
